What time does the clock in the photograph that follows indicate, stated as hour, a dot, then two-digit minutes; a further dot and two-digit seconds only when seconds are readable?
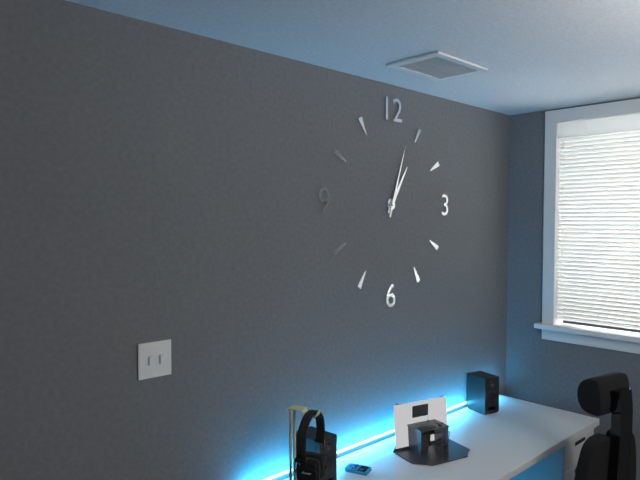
1.03
